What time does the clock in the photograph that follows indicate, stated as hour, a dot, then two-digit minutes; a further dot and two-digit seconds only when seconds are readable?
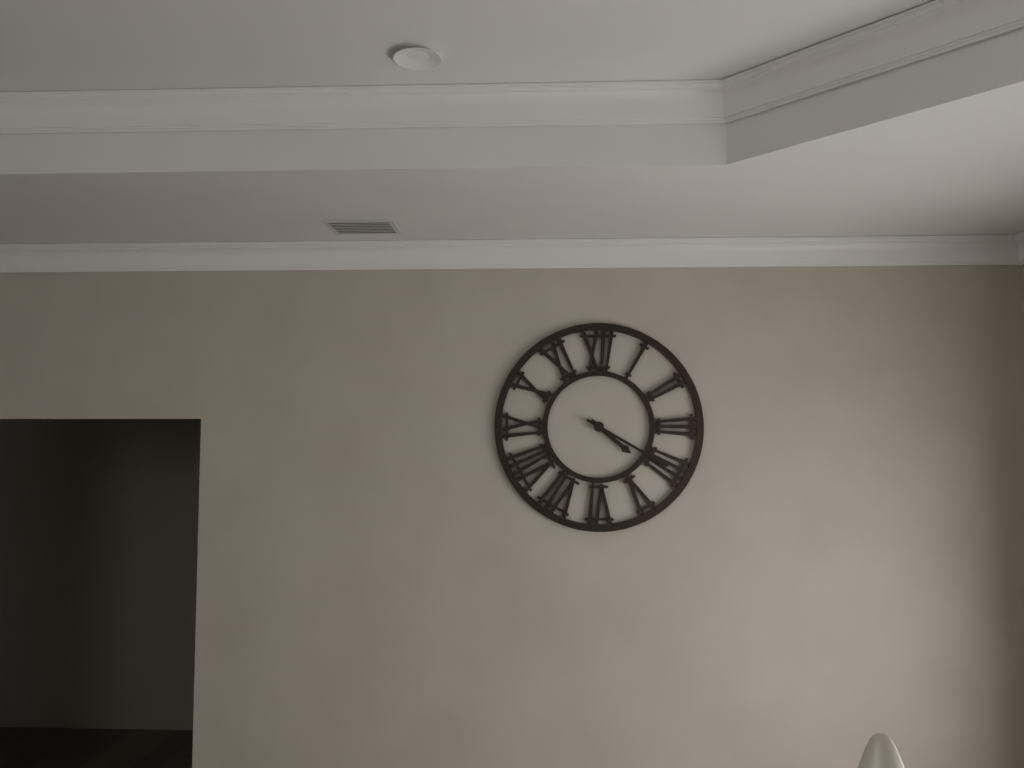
4.20
